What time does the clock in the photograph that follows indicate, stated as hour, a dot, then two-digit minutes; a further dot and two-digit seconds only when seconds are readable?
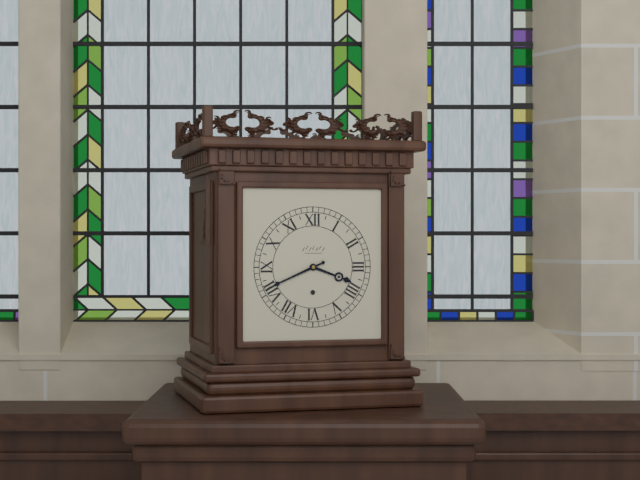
3.41
